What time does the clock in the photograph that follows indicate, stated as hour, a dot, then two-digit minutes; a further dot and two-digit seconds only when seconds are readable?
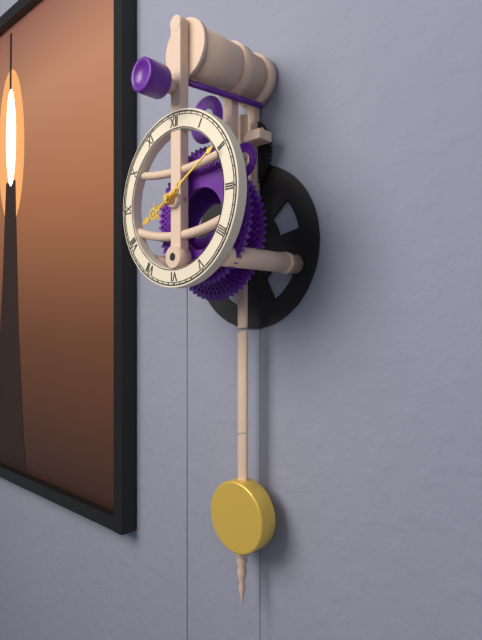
8.10
